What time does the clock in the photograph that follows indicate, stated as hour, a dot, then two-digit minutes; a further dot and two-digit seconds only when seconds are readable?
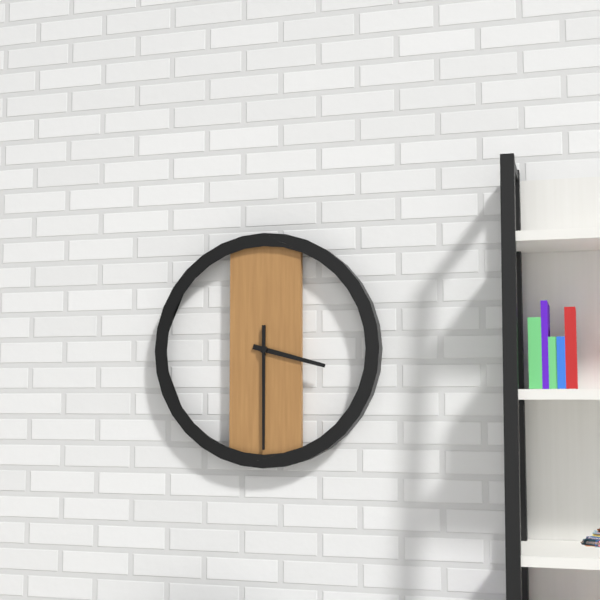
3.30
